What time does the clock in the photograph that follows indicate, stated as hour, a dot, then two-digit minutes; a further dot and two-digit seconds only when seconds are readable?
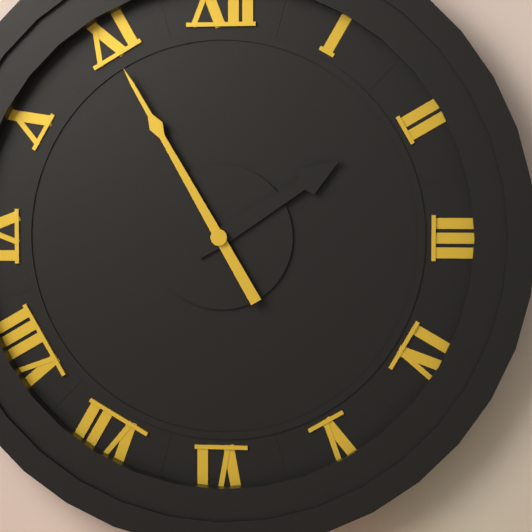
1.55
